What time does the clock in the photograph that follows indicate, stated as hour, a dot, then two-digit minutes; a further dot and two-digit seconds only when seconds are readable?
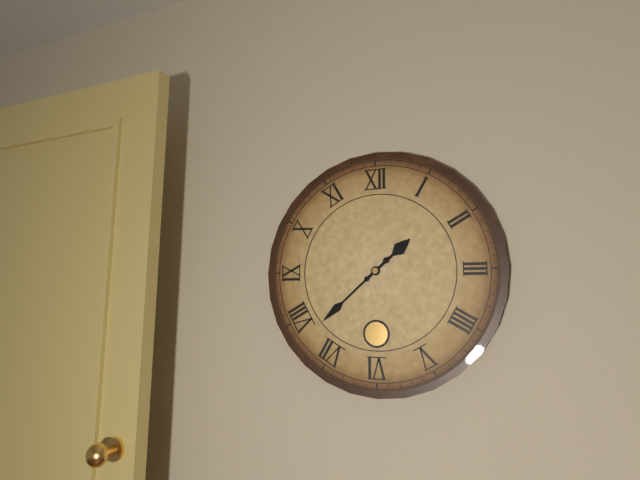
1.38
